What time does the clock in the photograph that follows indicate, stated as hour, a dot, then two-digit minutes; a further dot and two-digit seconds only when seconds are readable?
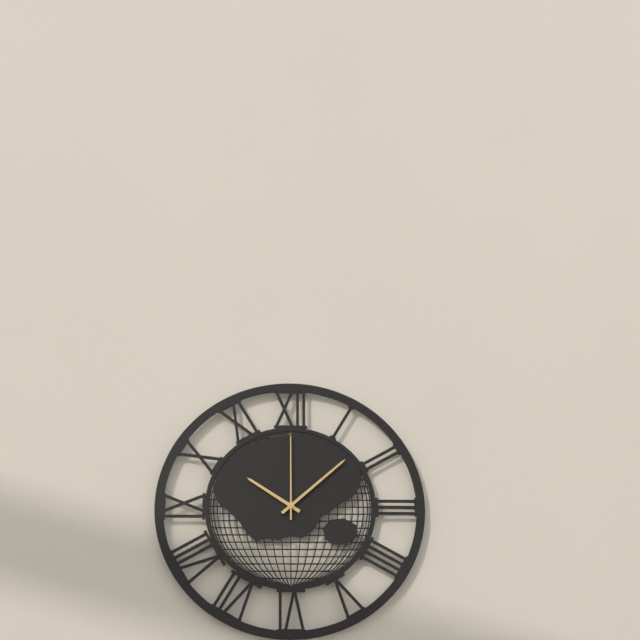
10.08.00
